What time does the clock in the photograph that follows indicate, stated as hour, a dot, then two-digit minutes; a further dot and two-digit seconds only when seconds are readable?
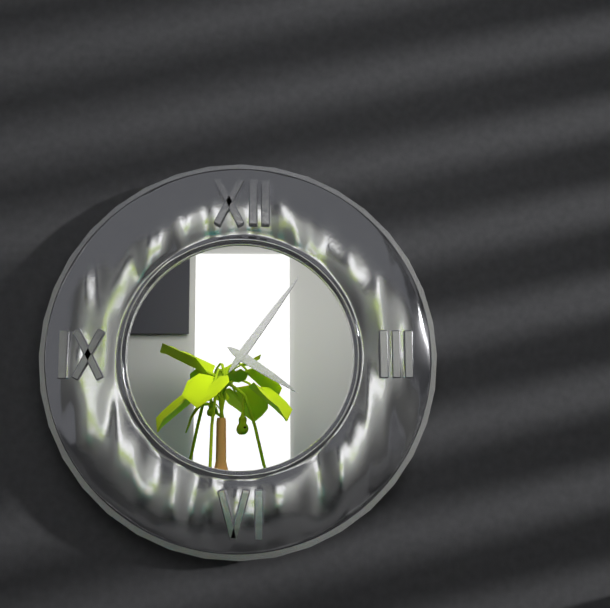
4.06
